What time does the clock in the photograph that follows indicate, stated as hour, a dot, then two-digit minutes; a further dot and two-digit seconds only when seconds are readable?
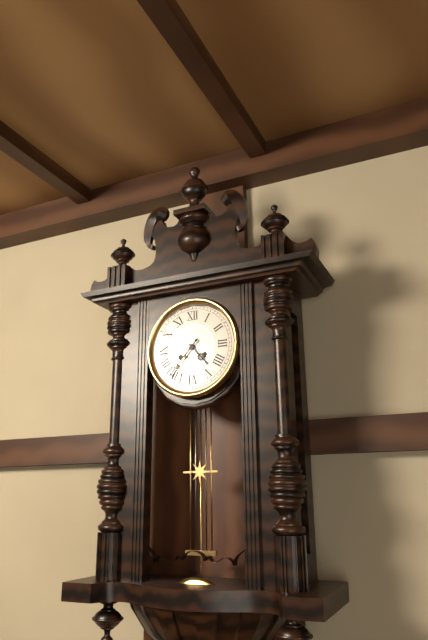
4.37
